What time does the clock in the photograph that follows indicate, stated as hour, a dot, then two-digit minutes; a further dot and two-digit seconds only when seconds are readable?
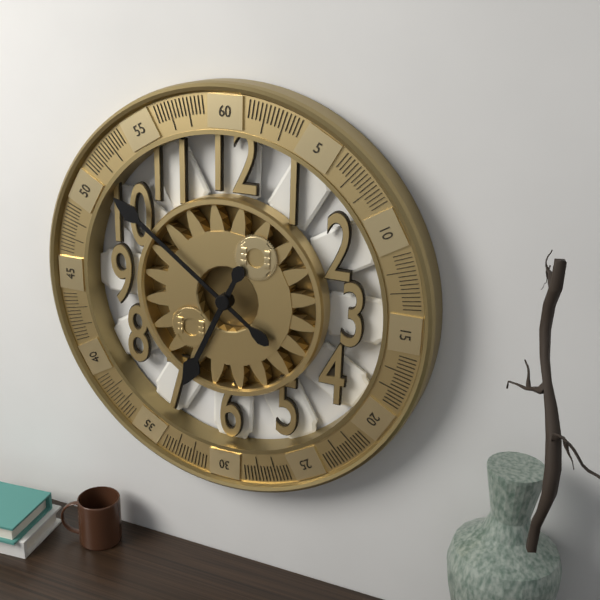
6.51
